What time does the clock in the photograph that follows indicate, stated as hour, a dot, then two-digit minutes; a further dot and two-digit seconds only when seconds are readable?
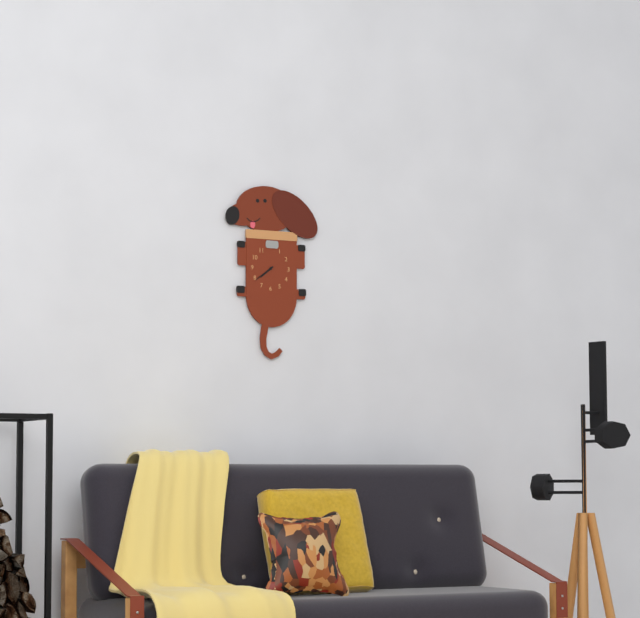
7.39
